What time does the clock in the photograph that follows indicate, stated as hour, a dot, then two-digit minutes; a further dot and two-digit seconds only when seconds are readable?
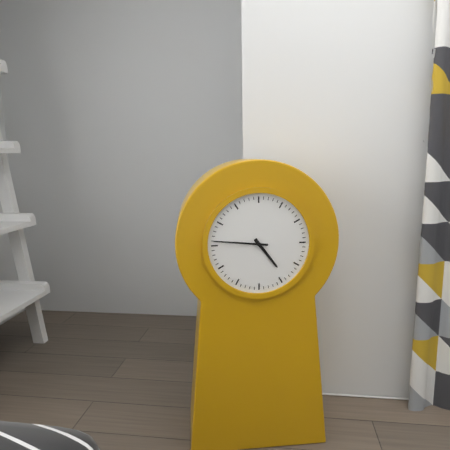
4.46
